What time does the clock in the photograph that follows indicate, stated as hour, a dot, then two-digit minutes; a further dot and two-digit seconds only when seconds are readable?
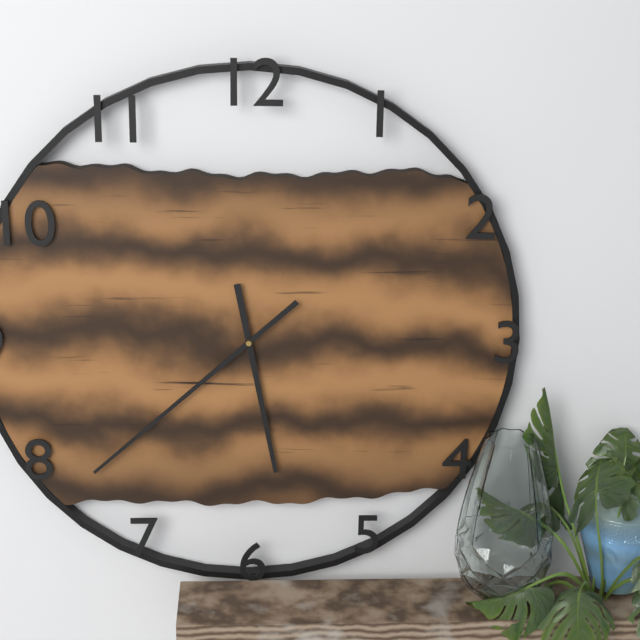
5.38
